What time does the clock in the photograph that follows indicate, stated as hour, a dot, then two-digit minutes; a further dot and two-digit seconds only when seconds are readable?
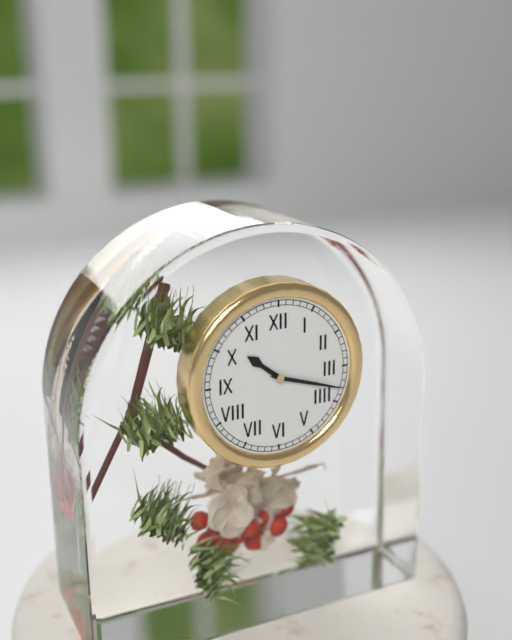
10.18
